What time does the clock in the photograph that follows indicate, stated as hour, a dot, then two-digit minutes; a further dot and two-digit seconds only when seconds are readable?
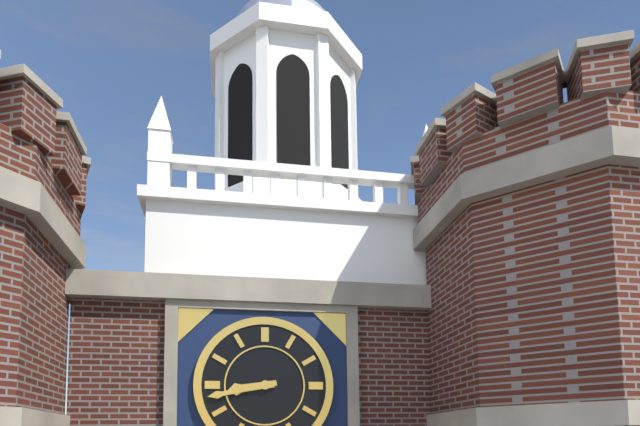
8.43
